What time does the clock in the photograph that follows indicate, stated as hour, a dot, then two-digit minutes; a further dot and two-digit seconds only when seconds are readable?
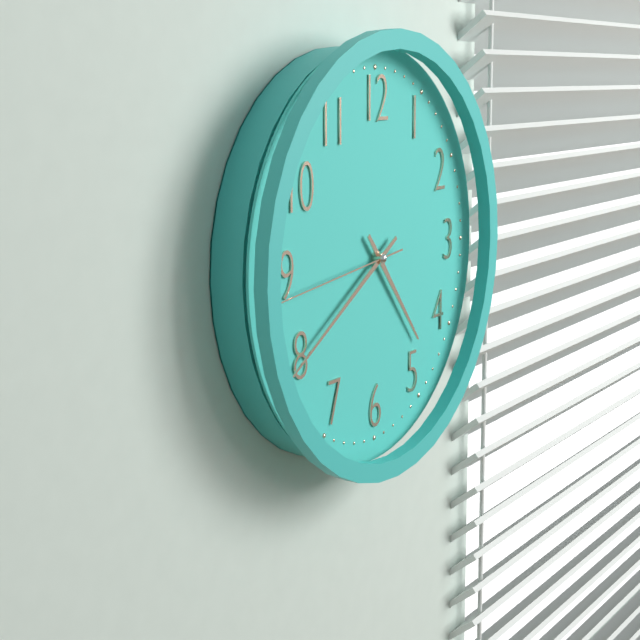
4.40.44
